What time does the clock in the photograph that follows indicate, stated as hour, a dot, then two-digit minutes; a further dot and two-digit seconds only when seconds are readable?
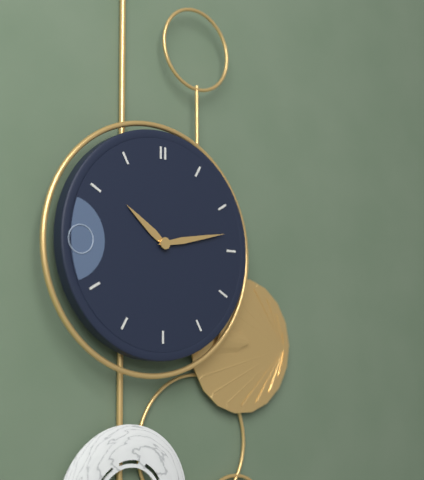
10.13
